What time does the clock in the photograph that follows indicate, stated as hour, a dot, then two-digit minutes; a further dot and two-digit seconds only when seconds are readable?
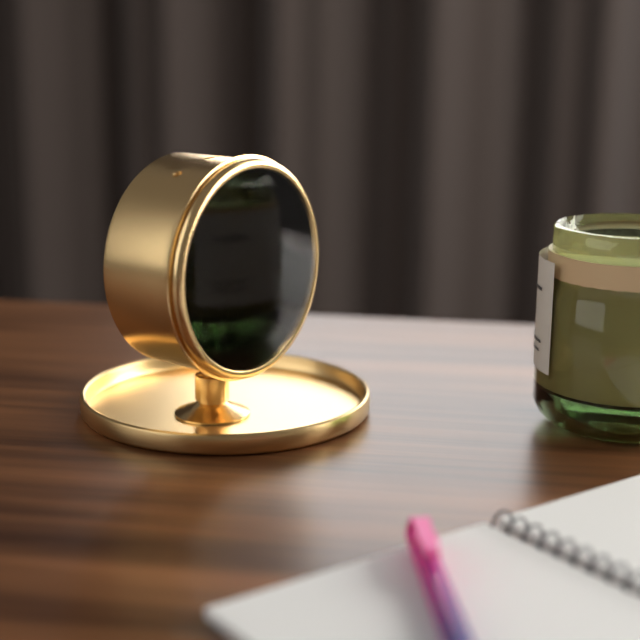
10.00.00
